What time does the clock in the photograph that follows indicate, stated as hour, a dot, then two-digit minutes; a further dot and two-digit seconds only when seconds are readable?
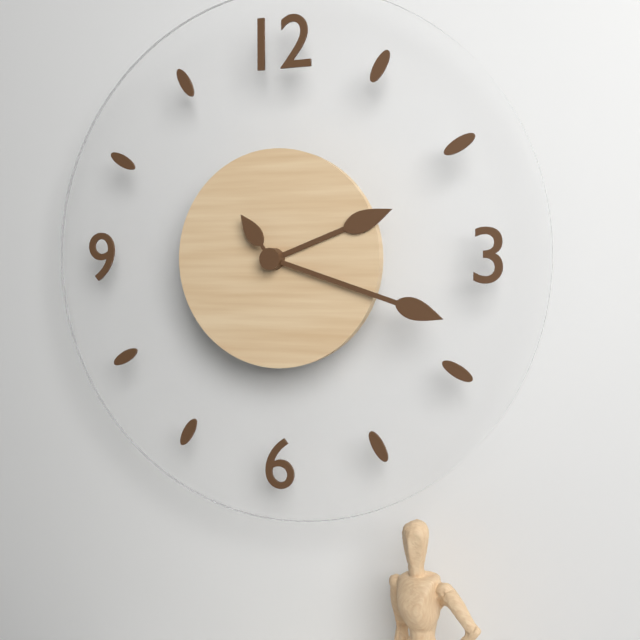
2.18.54
